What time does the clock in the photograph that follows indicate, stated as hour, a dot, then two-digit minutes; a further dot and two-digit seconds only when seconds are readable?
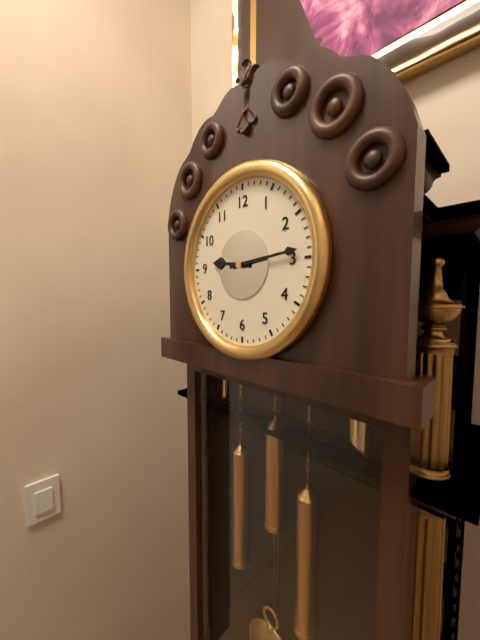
9.14
